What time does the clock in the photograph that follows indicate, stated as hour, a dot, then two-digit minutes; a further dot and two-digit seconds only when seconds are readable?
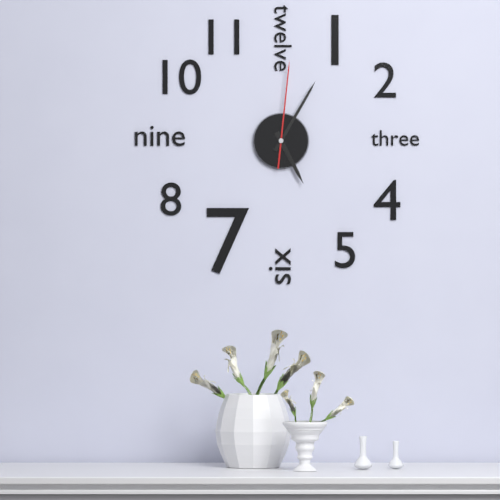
5.05.01
